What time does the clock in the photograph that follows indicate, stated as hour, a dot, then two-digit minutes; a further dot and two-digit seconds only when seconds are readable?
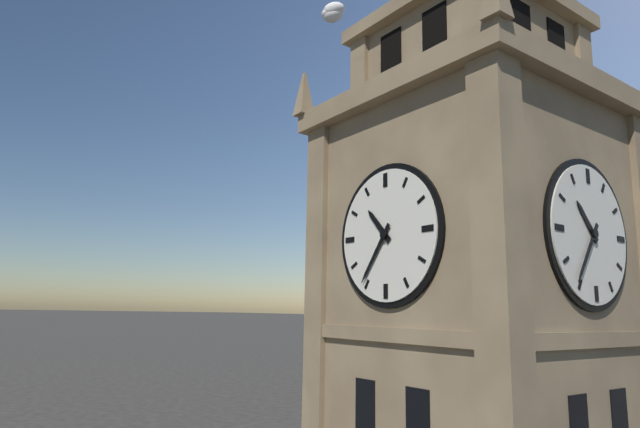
10.36
